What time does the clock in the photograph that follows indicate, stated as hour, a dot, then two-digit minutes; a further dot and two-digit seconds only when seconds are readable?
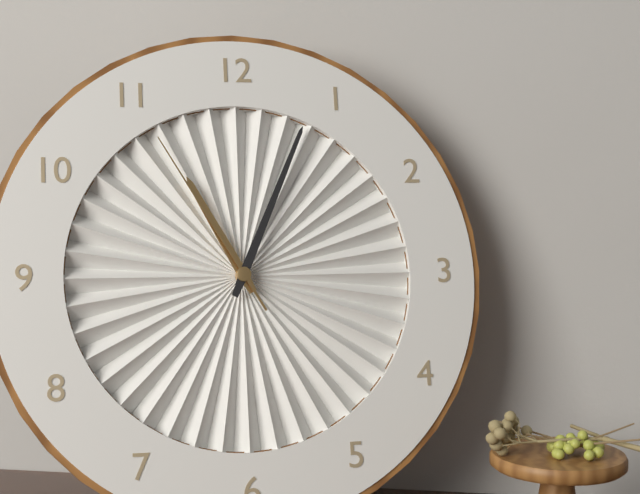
11.04.55
